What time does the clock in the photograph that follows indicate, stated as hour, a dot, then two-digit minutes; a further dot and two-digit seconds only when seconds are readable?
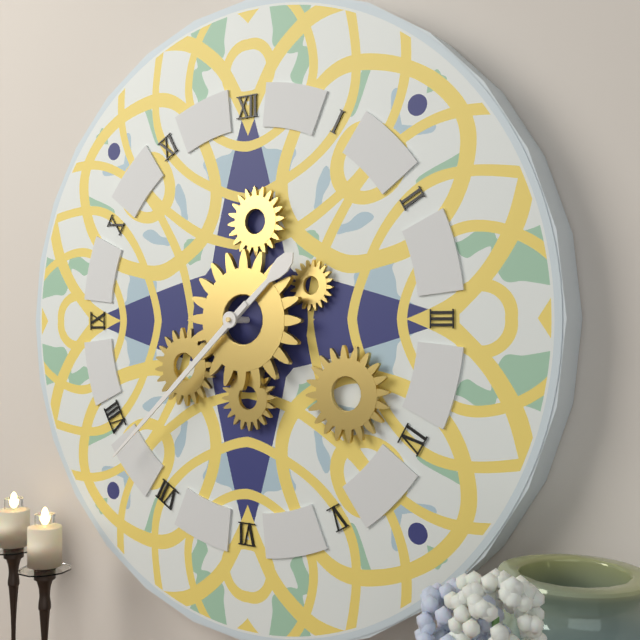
1.38
